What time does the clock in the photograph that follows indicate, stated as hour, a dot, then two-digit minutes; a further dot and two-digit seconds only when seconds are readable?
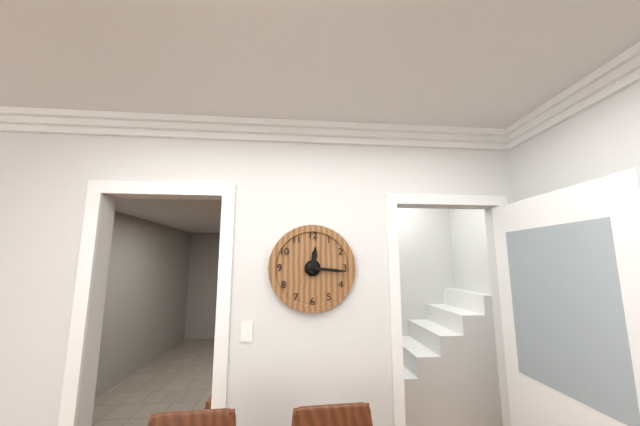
12.16
